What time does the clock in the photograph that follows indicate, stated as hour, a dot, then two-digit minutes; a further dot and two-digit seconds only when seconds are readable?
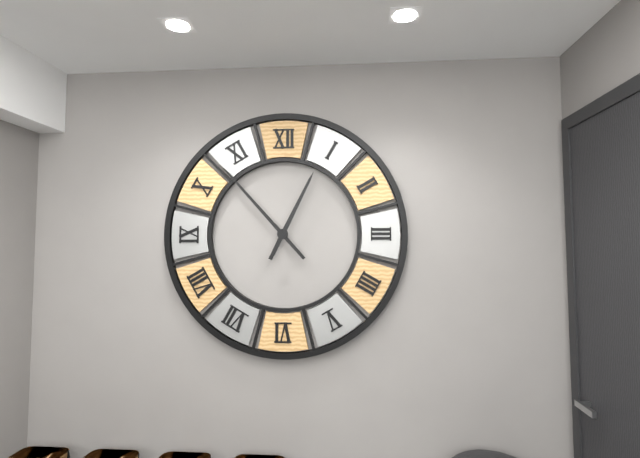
12.53
